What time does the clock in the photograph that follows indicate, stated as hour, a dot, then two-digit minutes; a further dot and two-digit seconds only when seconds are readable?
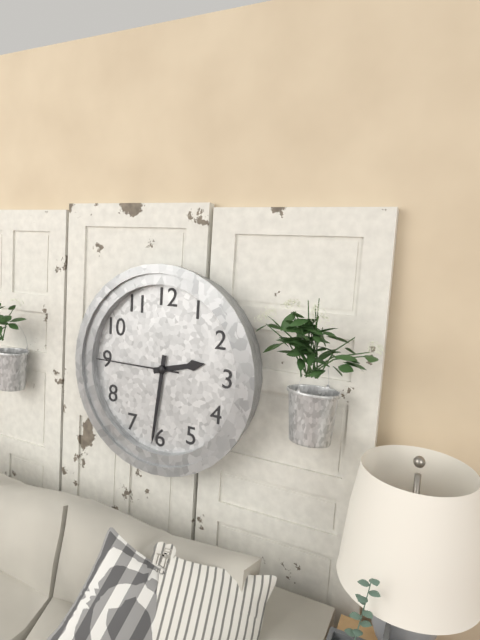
2.31.45
